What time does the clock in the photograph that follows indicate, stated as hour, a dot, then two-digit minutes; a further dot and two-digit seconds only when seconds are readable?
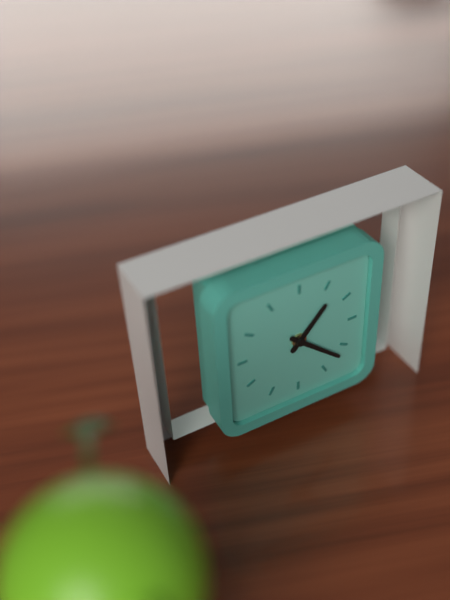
1.22
